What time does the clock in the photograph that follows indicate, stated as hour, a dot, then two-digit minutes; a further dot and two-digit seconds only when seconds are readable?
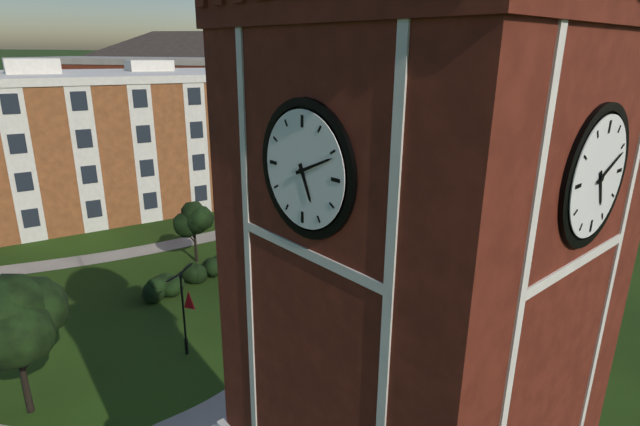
5.11
